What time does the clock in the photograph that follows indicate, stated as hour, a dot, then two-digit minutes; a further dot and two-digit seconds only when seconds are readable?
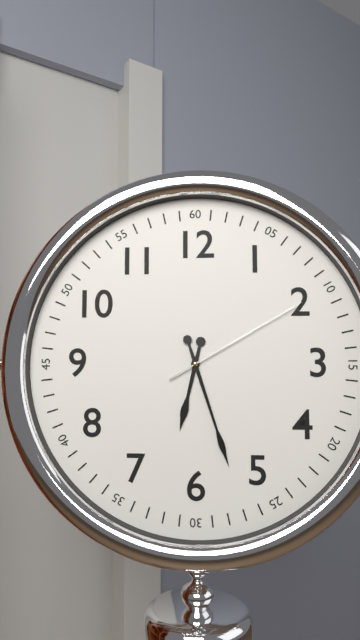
6.27.10
